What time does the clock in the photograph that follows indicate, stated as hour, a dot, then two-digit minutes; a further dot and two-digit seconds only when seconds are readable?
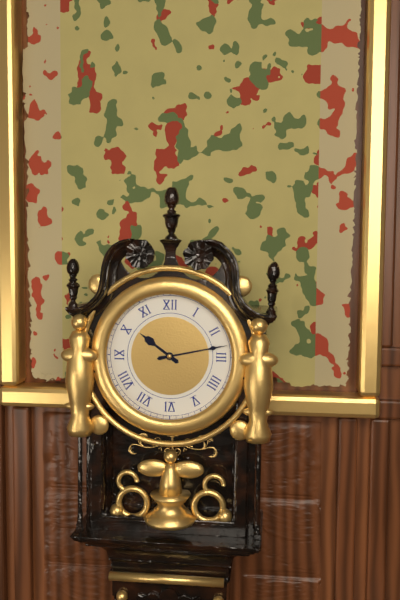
10.13
